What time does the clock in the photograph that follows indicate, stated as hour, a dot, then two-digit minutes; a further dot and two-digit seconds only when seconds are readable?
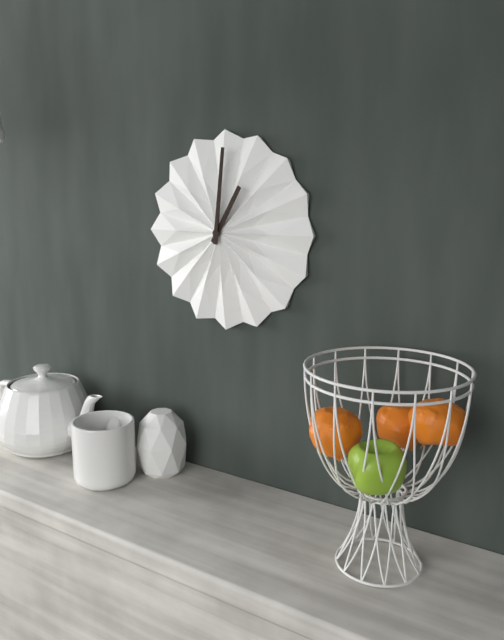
1.01
